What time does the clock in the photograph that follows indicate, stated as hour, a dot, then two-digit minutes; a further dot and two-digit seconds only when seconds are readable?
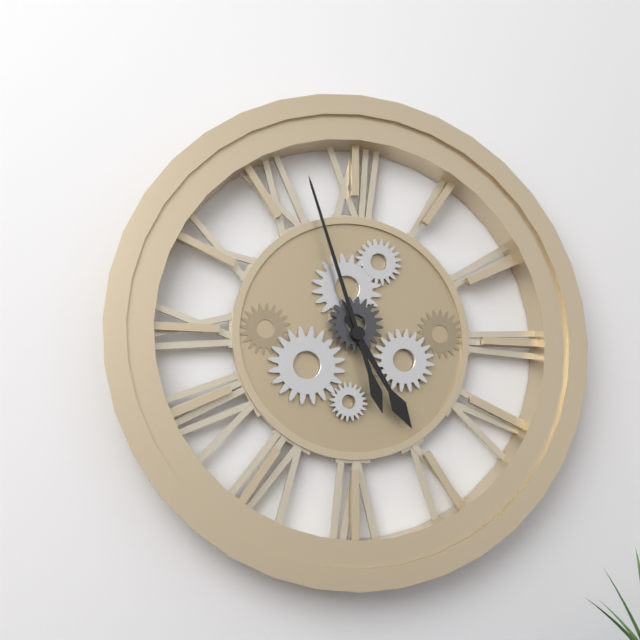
4.57
